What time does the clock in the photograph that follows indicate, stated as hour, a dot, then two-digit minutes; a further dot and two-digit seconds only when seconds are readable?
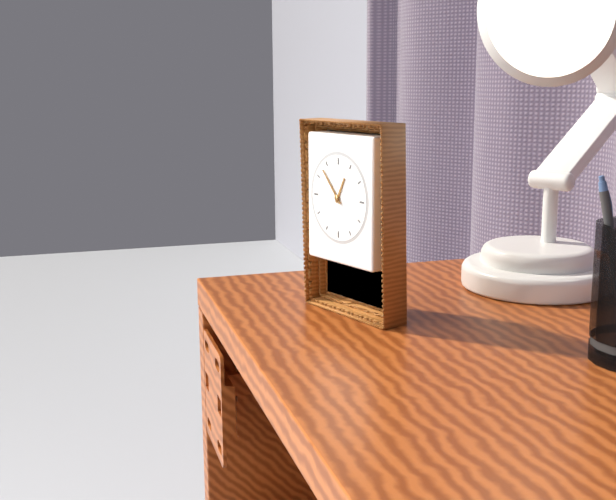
12.53
